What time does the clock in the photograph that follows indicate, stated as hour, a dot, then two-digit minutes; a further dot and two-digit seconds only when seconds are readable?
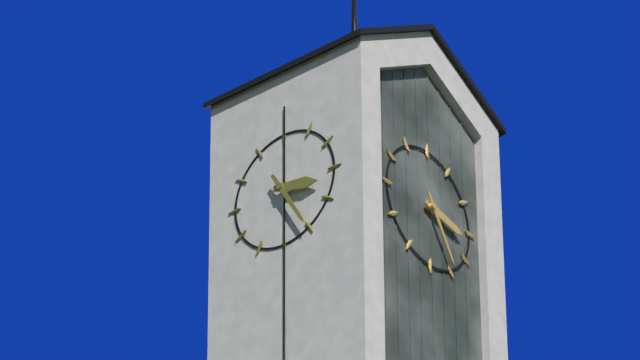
3.25
